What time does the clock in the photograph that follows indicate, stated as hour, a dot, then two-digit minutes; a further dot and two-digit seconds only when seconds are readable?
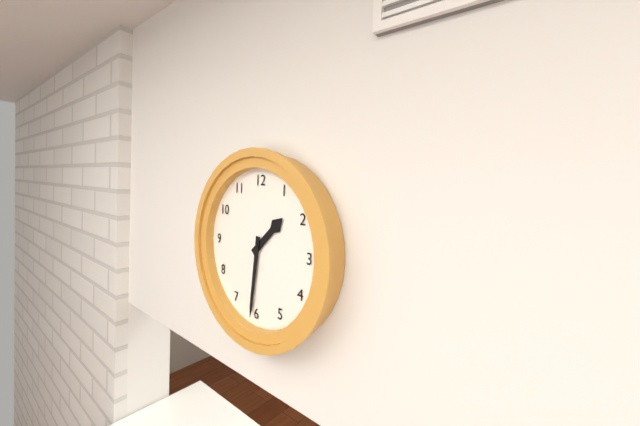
1.31
